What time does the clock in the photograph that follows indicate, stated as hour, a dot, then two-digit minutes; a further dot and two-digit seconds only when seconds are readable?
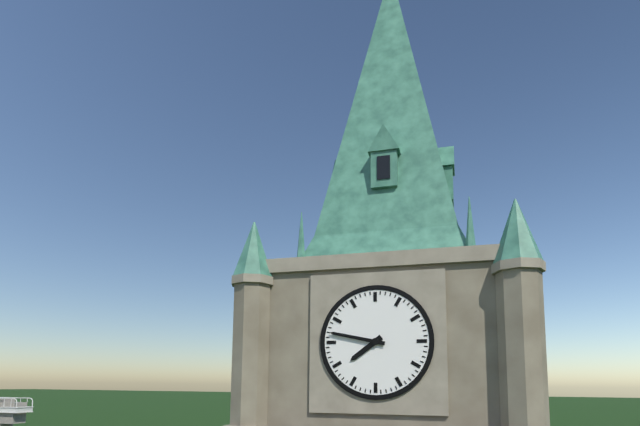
7.47
